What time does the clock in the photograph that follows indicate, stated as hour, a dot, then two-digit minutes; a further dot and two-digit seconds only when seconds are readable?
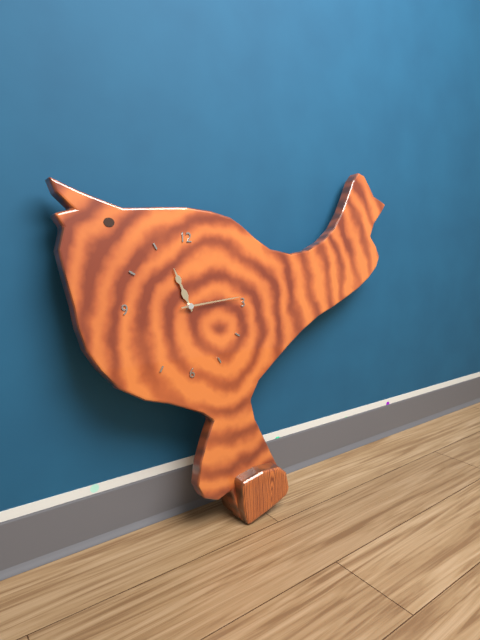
11.14
